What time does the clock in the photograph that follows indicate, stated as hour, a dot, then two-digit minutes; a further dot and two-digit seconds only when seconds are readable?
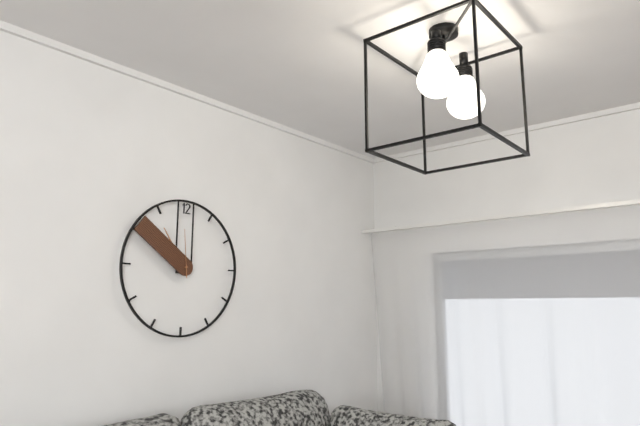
10.51
